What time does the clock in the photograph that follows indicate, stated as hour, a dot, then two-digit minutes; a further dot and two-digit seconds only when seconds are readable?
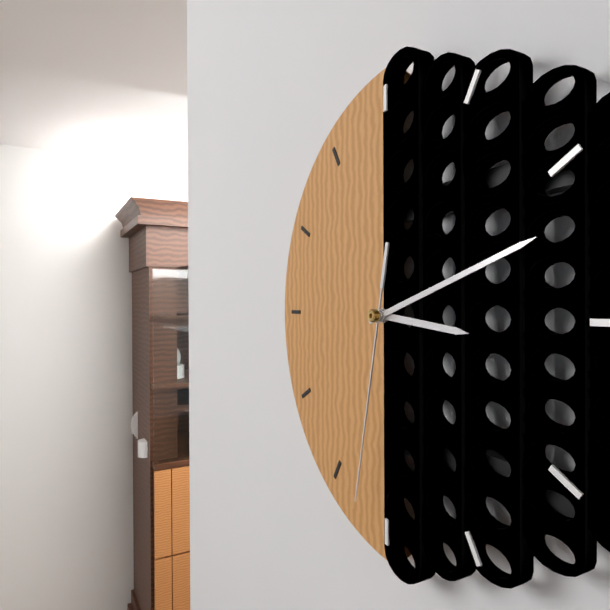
3.12.32
